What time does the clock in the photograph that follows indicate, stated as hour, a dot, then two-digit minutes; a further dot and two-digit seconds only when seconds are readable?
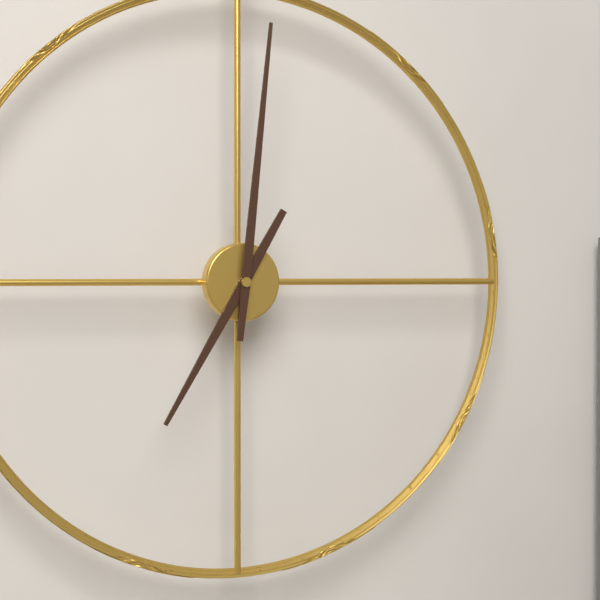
7.01
